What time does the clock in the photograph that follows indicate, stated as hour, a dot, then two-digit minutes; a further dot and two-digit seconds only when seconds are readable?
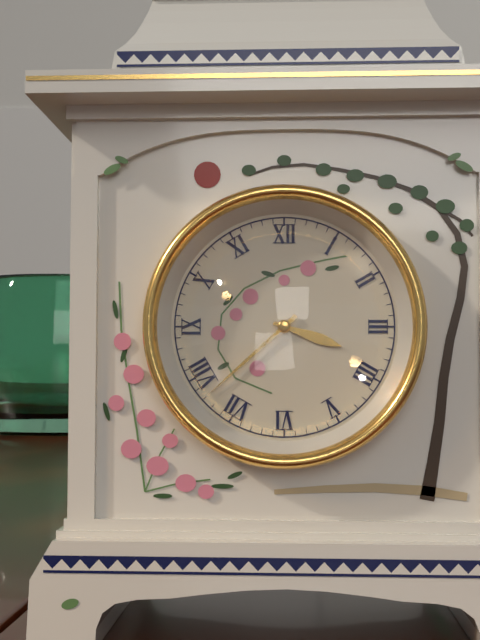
3.38
